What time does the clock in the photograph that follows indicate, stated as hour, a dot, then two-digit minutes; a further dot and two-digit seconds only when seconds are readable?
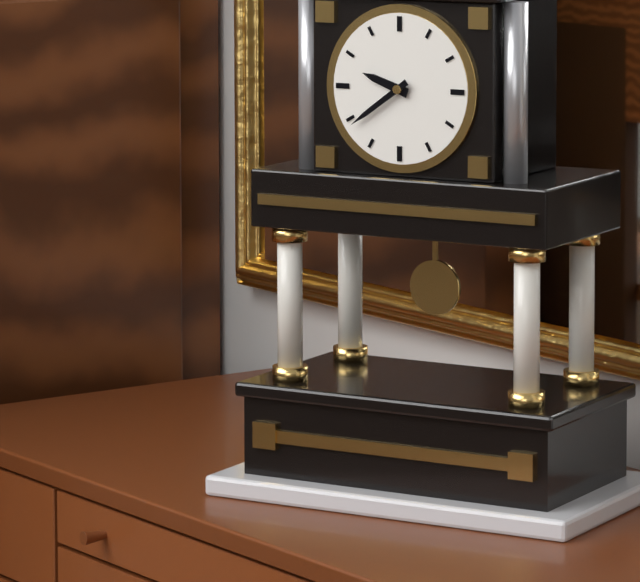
9.39
